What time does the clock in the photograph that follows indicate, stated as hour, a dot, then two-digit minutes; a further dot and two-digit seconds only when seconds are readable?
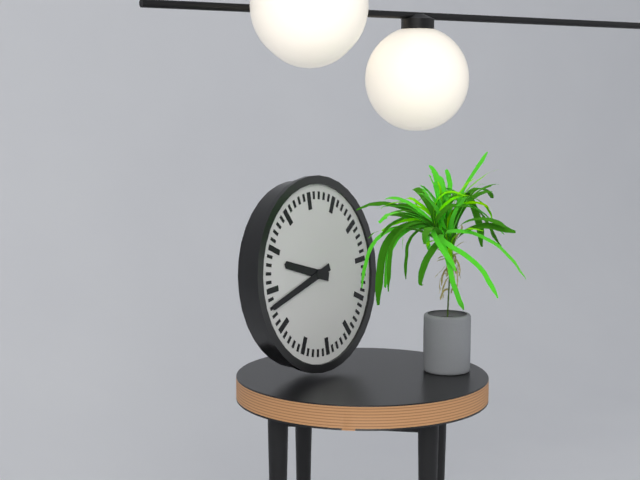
9.43
